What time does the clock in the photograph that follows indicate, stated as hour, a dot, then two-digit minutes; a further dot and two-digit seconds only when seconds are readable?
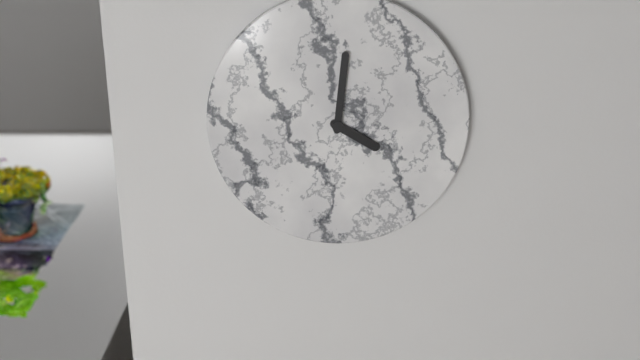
4.01
